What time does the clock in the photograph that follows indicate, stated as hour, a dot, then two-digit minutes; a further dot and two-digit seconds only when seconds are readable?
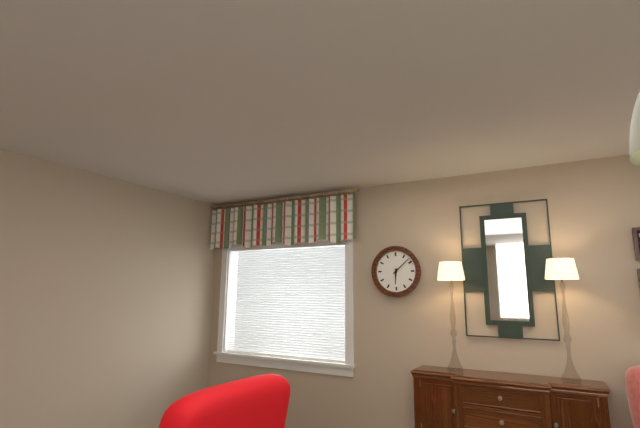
6.08
